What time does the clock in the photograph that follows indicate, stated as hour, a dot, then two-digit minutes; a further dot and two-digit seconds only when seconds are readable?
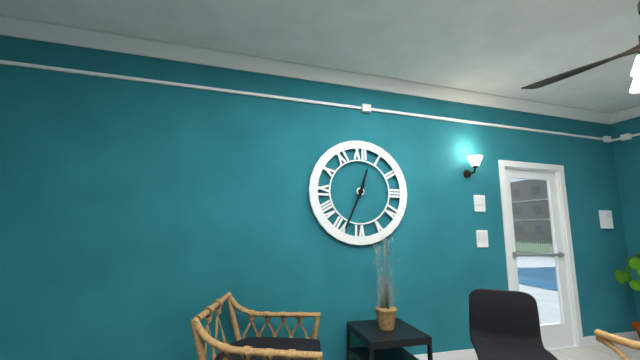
12.34
